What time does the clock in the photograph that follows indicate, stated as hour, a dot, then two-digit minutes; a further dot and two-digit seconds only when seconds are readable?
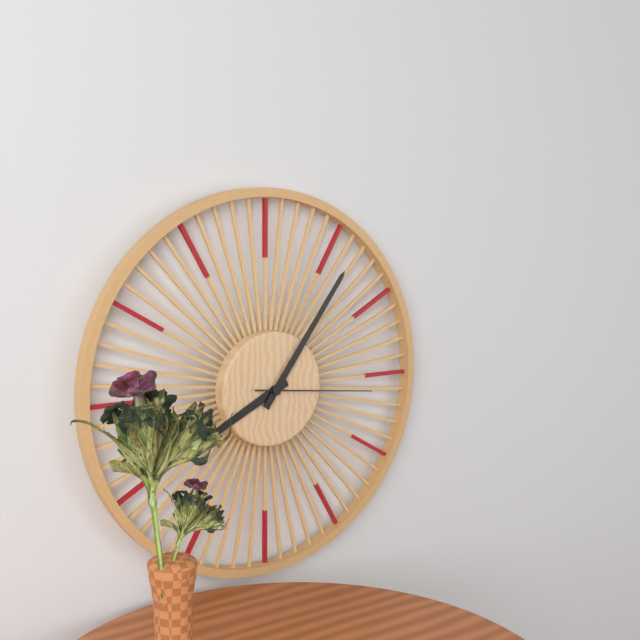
8.06.16
